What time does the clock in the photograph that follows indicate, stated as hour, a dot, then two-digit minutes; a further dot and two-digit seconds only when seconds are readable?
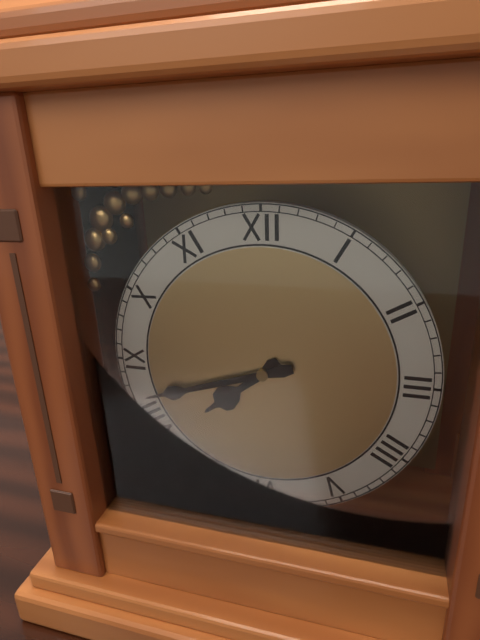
7.42
